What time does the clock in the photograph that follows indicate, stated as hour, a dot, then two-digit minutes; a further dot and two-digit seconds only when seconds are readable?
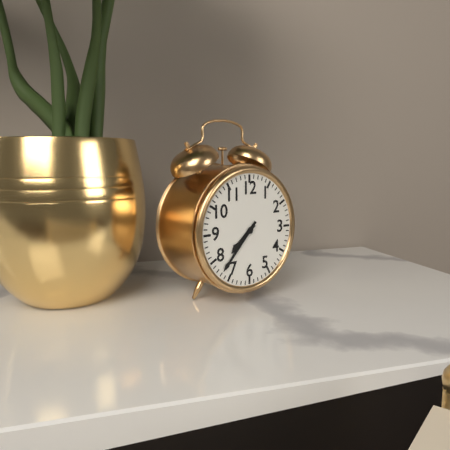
7.37
